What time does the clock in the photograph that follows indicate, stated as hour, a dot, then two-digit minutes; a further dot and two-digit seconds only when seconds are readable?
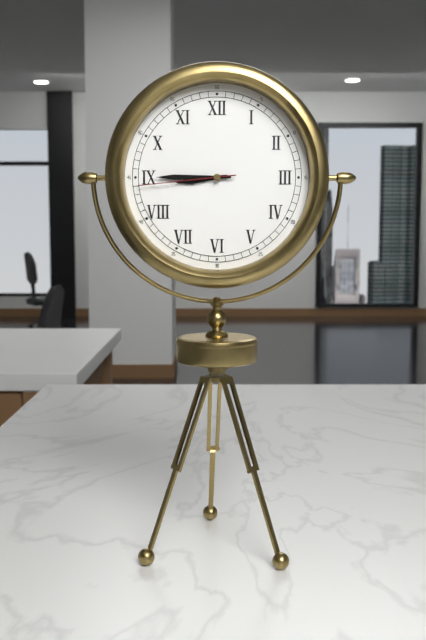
8.45.44
